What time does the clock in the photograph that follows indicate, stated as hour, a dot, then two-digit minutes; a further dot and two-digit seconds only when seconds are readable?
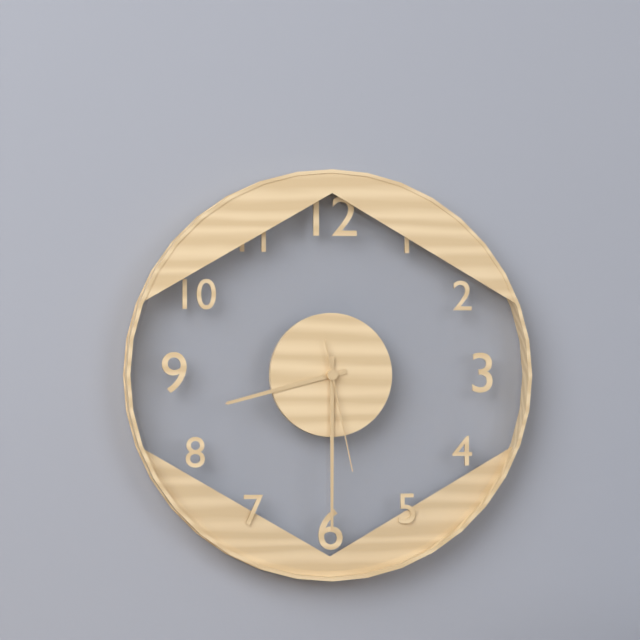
8.30.28
